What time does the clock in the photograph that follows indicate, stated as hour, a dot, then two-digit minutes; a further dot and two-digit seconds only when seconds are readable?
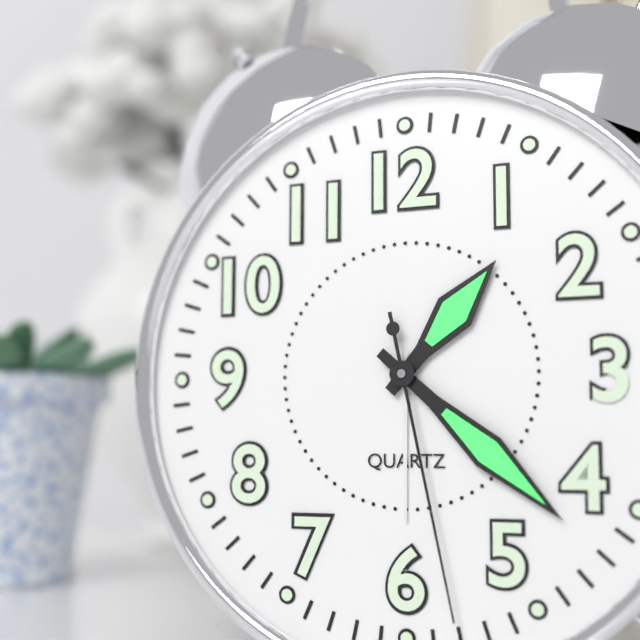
1.22.28
